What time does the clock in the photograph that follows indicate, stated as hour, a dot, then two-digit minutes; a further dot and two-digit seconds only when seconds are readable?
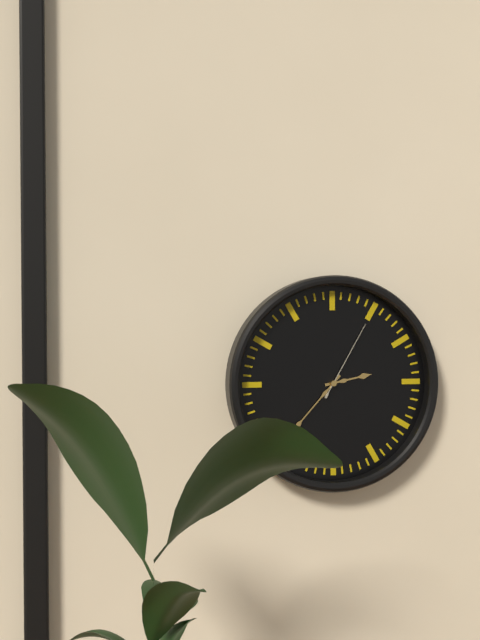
2.37.05
